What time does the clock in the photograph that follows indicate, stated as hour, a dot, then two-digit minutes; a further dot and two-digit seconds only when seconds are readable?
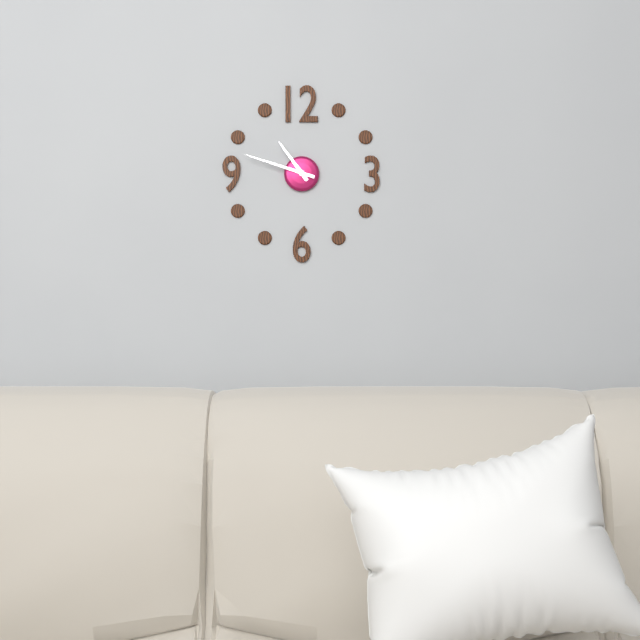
10.48
